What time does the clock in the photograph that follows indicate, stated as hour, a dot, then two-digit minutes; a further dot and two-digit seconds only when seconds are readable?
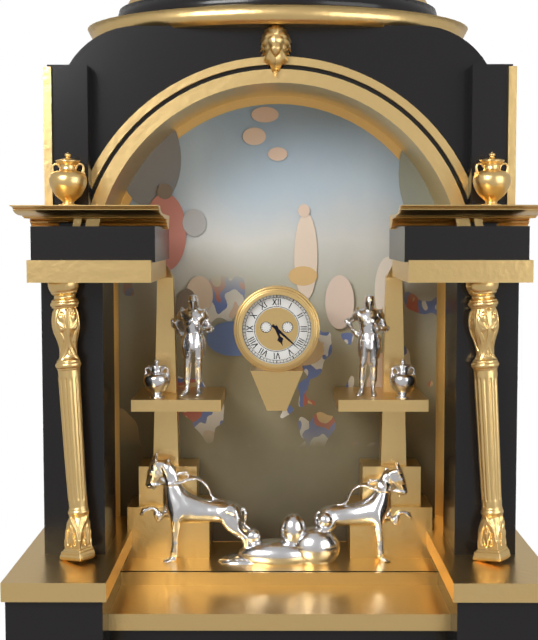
5.22
